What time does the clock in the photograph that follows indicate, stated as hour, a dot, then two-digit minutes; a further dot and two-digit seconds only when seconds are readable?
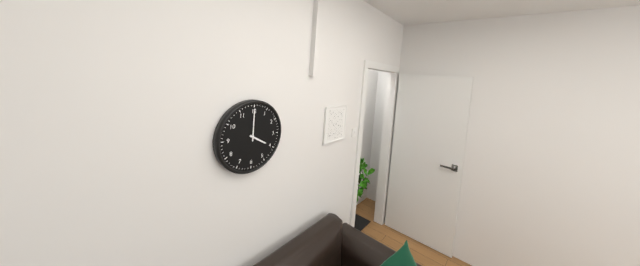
4.00
